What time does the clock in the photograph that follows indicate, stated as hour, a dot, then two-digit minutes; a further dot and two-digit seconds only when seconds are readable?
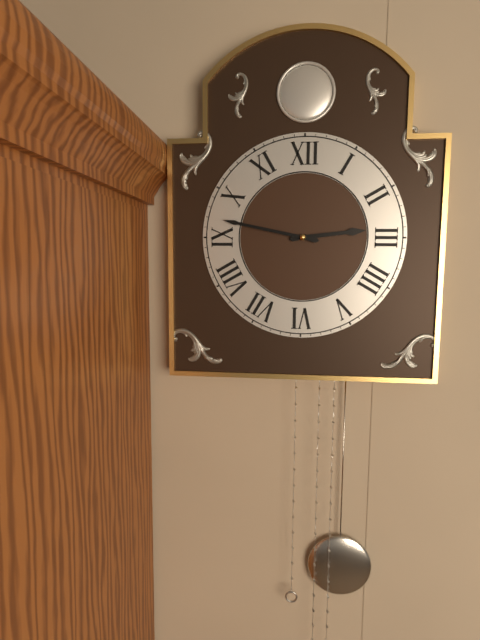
2.47
